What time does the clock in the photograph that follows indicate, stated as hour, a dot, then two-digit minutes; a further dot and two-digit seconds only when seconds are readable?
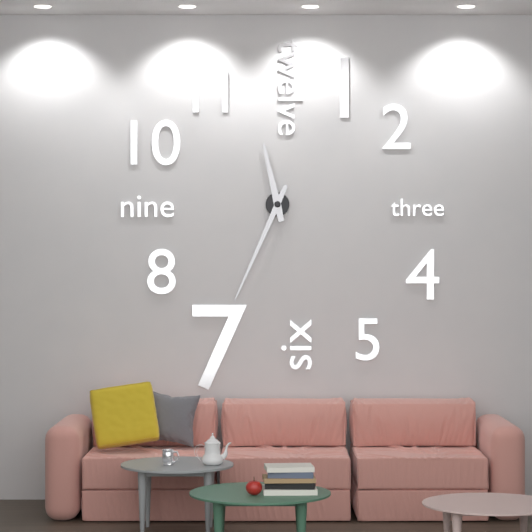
11.34
